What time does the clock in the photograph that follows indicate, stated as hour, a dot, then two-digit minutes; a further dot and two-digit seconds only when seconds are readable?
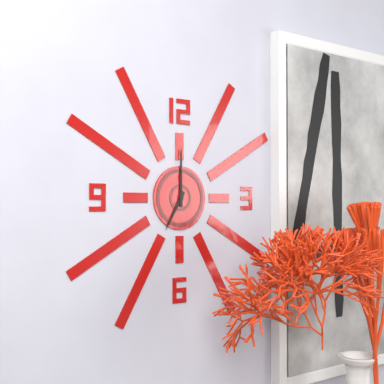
7.00
